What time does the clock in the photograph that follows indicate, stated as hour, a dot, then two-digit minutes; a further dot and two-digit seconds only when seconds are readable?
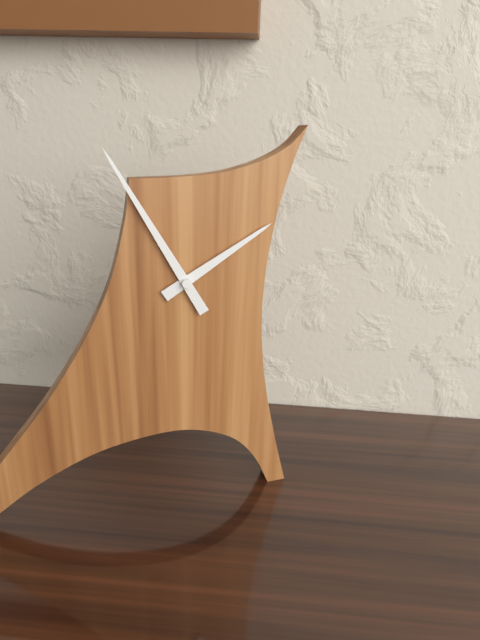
1.55
